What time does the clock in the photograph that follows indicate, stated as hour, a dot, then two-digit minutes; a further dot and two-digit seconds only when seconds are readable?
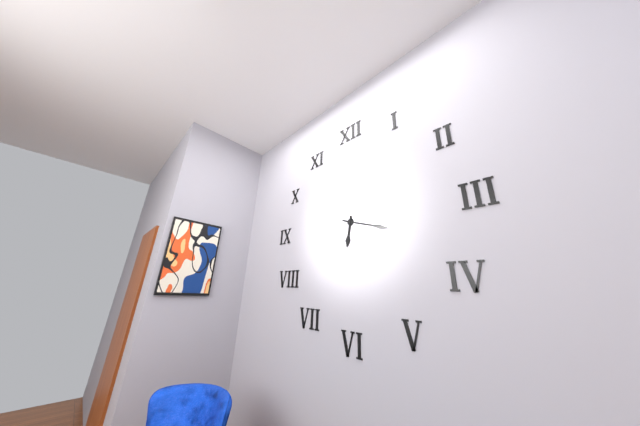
6.18
